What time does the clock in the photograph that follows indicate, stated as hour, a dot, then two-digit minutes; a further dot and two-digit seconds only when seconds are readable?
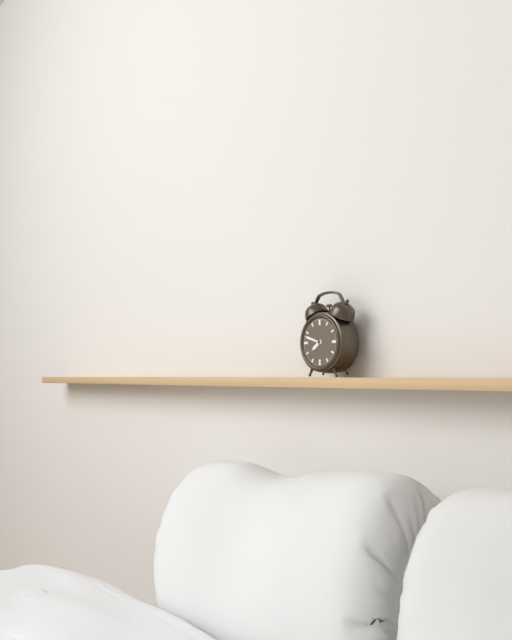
7.48
